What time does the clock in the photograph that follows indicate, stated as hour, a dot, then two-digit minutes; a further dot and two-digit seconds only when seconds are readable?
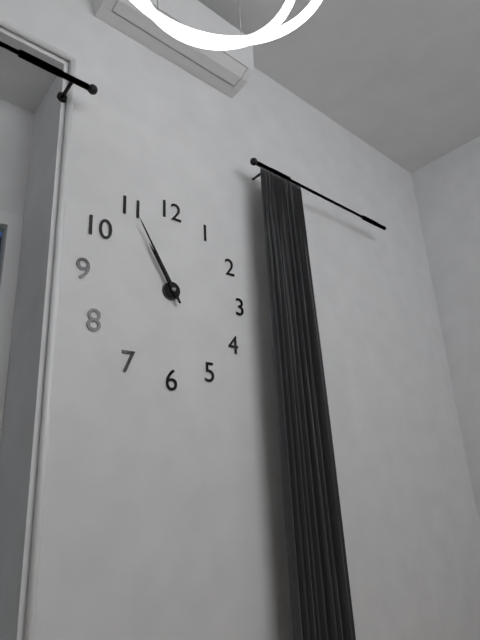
10.55
